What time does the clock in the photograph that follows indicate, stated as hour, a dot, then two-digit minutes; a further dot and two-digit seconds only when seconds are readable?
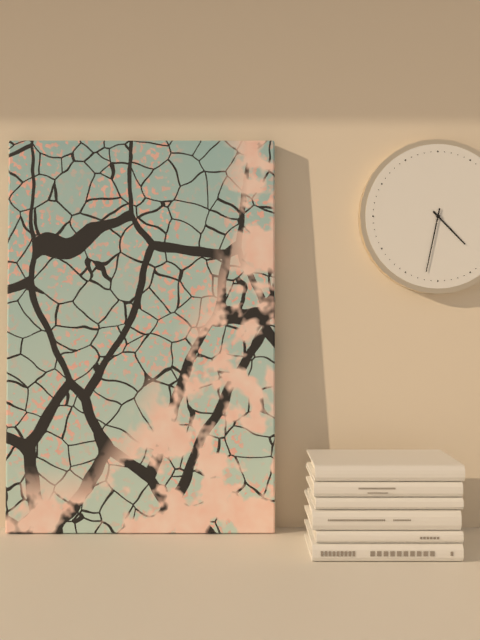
4.32
